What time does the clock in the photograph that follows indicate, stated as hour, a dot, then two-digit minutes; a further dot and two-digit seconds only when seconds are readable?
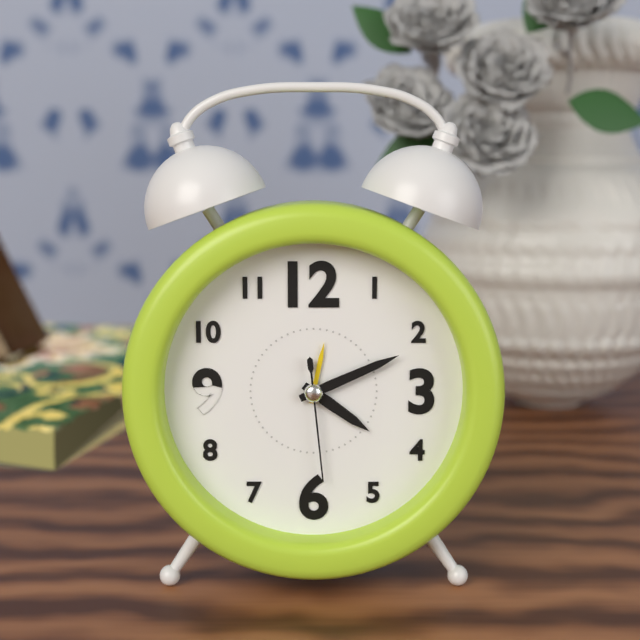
4.11.29
